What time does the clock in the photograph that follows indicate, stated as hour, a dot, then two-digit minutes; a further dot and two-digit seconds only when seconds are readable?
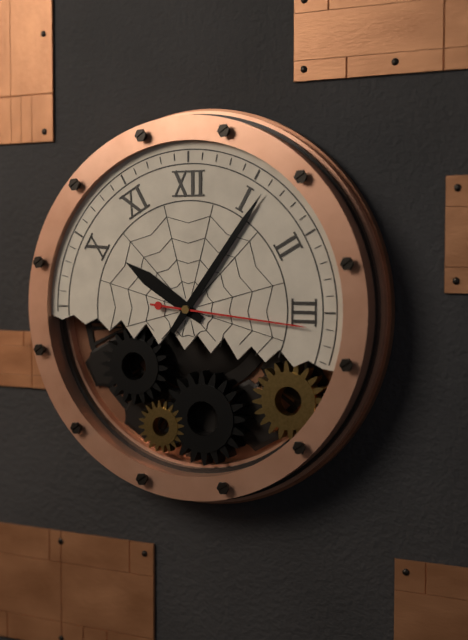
10.06.16
